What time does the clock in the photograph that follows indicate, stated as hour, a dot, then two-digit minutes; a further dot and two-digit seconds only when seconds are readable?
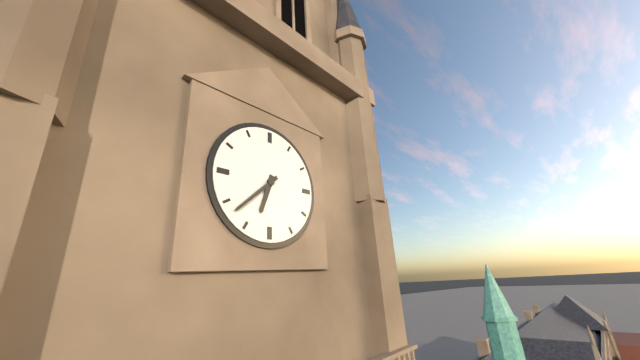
6.38
